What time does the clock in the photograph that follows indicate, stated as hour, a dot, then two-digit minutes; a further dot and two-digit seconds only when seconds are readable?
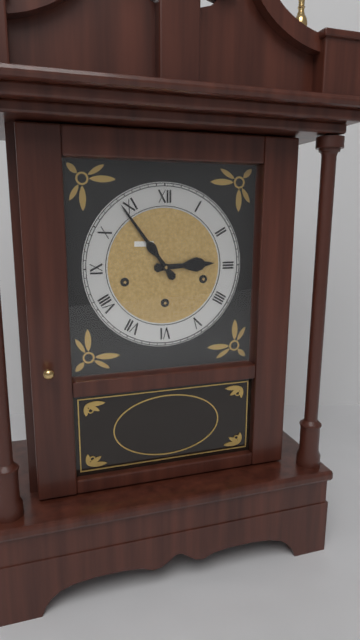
2.54
